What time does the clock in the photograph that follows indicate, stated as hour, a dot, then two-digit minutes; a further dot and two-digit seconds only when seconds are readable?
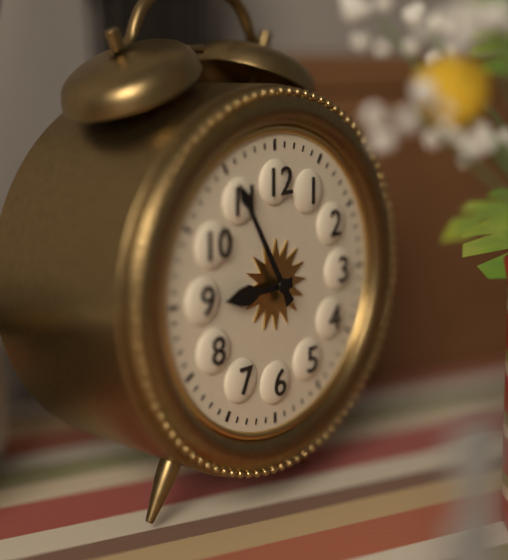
8.55
